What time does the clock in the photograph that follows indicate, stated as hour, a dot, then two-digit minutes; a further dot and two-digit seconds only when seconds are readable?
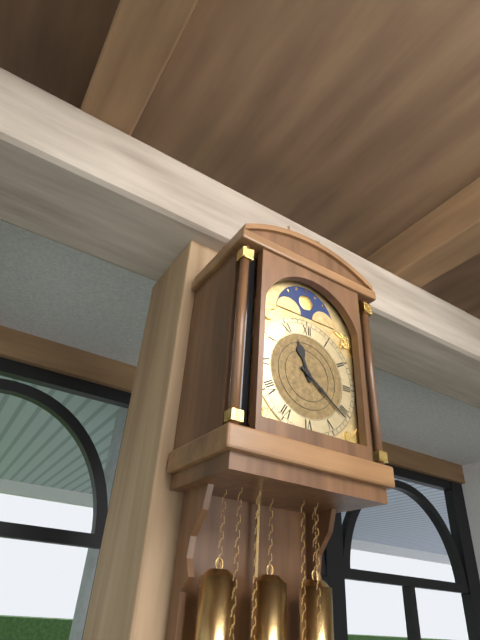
11.21
